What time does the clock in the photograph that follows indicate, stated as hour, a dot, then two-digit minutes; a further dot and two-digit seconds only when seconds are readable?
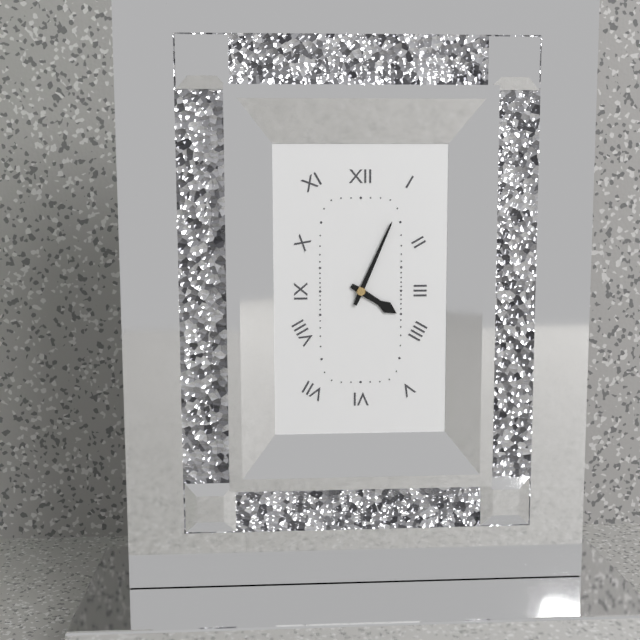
4.04
